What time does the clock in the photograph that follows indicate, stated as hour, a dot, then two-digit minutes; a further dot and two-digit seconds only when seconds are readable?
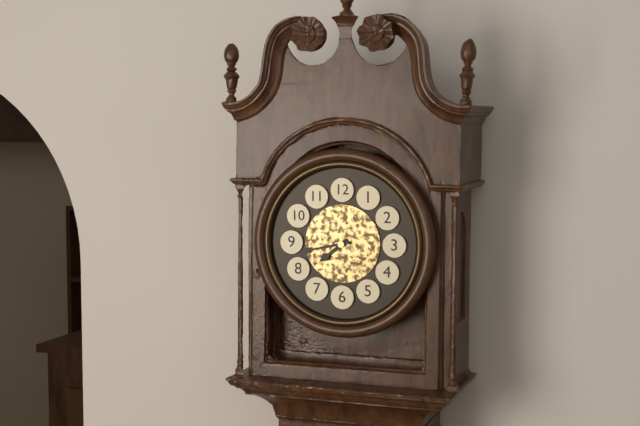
7.43
